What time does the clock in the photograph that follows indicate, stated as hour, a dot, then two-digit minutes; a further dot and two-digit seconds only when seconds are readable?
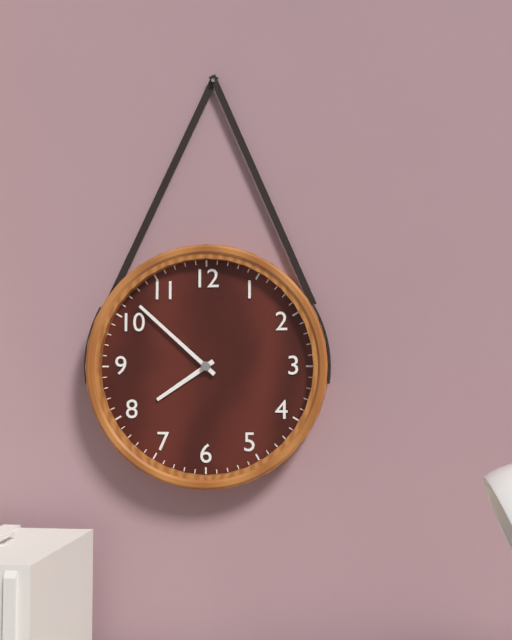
7.52
